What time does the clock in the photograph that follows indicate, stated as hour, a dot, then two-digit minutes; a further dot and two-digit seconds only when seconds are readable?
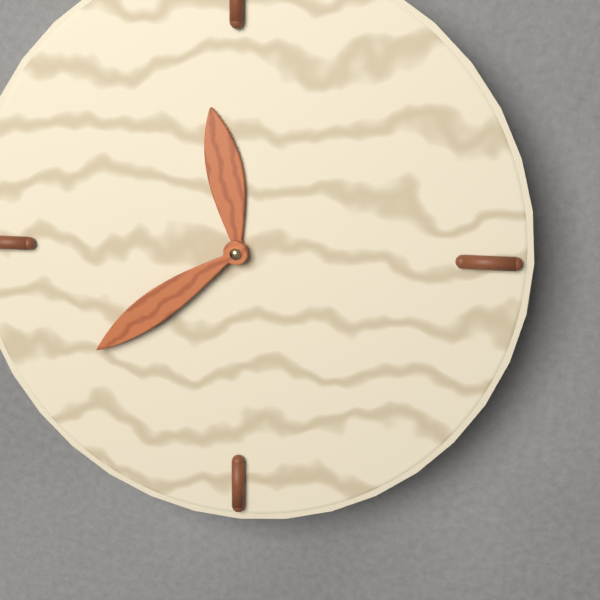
11.39
